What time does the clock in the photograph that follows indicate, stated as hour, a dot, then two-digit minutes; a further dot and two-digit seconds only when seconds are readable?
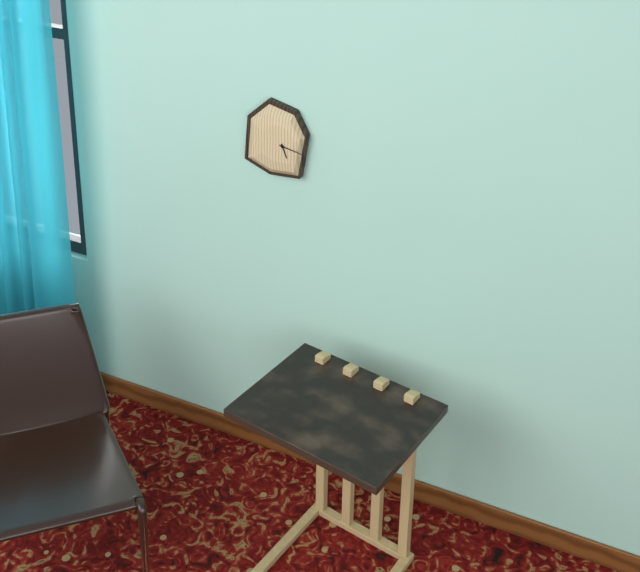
5.17
